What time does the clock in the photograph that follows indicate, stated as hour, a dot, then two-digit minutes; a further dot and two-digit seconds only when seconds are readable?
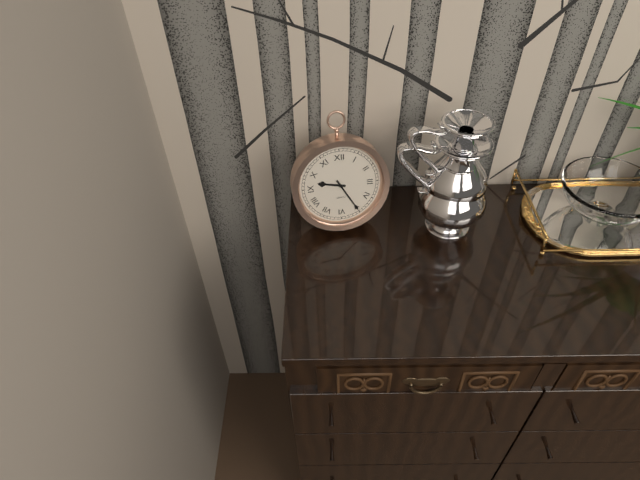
9.25
